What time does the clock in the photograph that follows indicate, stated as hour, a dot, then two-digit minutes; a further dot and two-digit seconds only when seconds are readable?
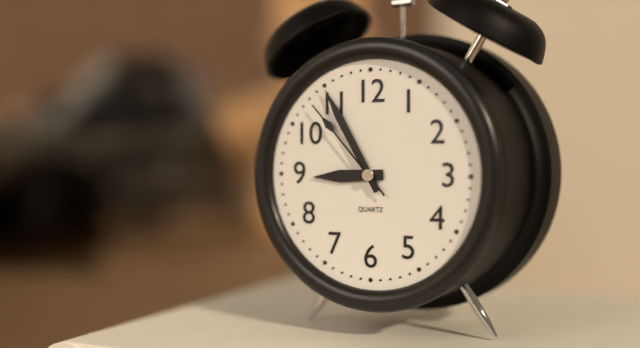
8.55.53
